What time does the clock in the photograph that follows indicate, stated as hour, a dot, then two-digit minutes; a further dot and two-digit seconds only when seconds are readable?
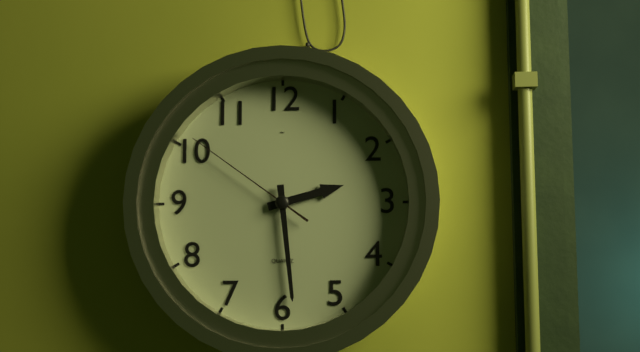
2.29.51
